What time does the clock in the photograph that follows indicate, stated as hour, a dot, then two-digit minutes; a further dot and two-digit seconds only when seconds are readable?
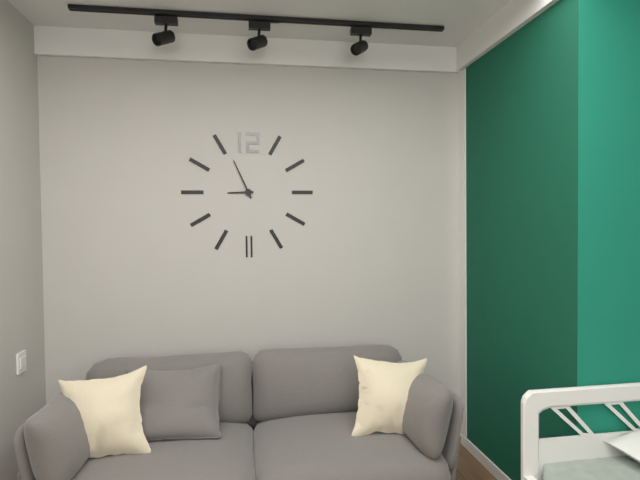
8.56
